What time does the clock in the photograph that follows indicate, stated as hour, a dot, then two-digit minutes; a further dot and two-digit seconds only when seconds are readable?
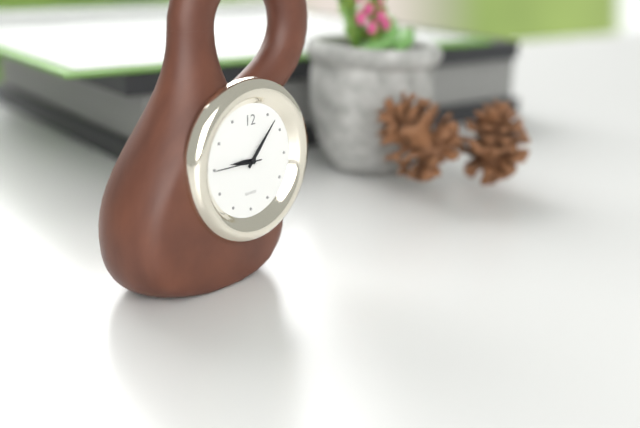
9.07
